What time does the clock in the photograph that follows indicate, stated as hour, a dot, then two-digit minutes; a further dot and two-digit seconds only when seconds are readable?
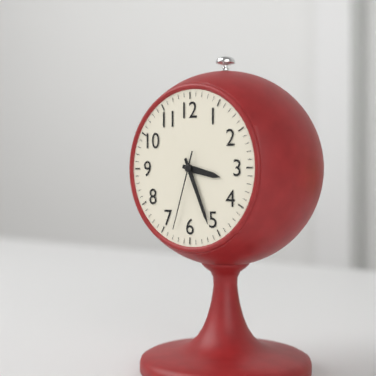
3.26.33
